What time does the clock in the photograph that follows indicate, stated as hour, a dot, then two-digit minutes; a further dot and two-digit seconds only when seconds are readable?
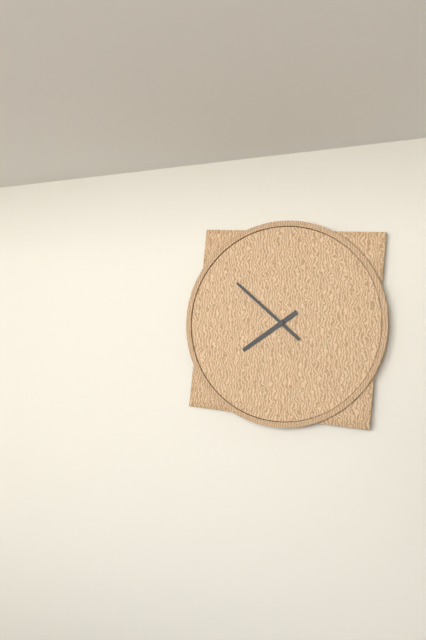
7.52
